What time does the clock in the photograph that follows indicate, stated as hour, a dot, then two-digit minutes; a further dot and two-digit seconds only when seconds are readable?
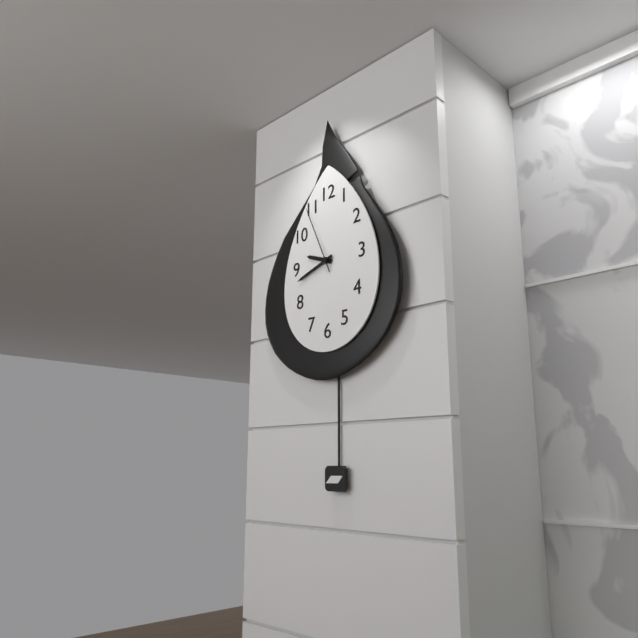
9.42.56
